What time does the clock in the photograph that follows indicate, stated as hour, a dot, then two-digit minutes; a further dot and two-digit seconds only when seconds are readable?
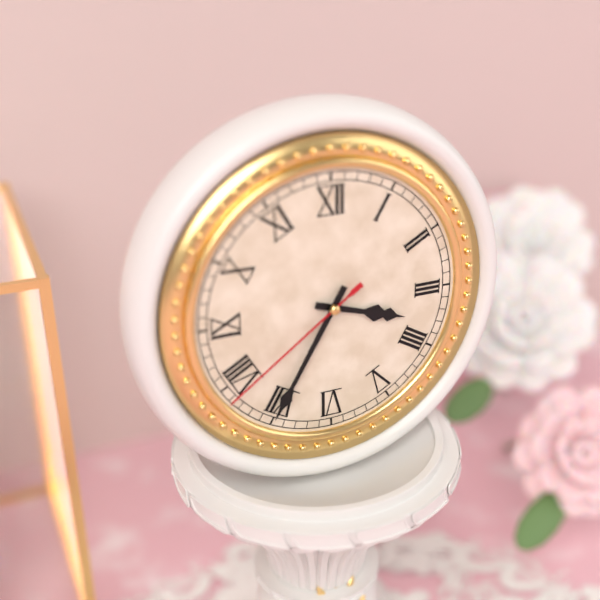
3.35.39
